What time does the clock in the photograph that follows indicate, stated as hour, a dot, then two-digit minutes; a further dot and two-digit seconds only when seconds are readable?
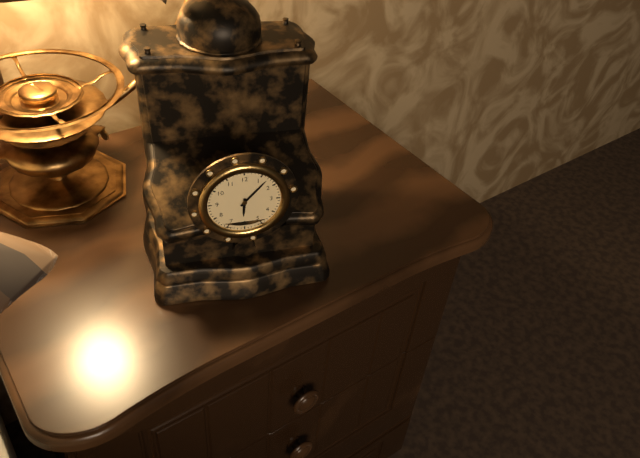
6.07
